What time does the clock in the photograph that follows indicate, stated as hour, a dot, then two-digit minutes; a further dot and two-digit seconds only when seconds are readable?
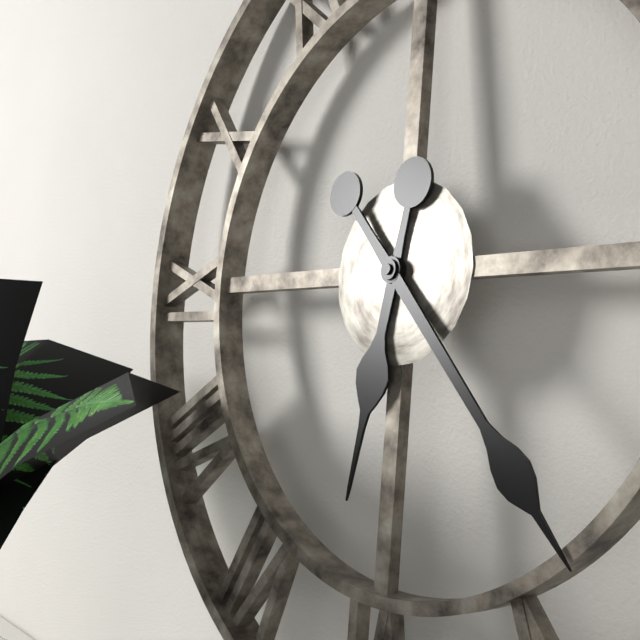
6.23
